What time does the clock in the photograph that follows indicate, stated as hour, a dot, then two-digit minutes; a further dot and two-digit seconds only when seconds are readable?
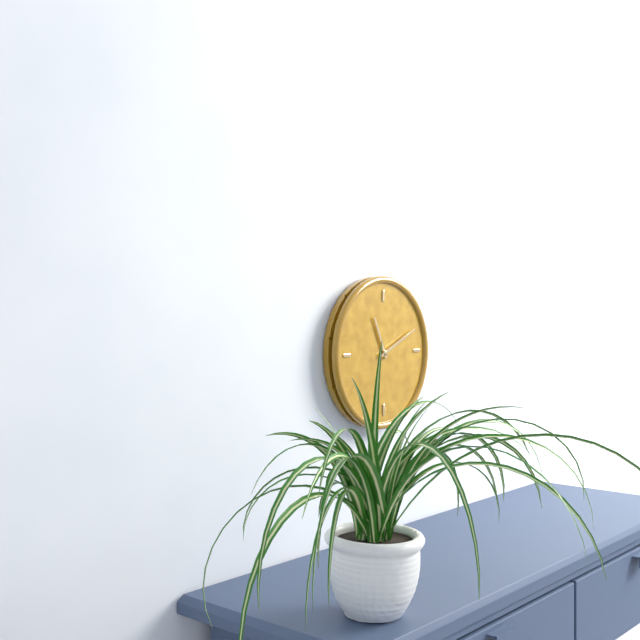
11.11
